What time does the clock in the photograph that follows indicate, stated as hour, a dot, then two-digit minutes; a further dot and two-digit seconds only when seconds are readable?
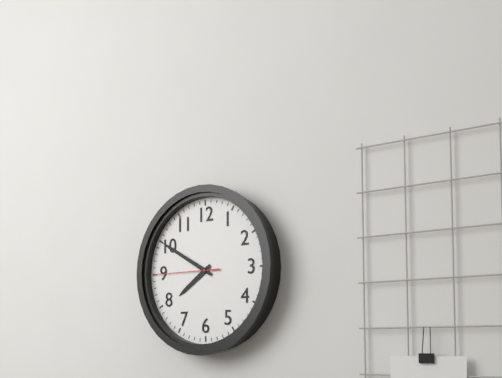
7.50.45
